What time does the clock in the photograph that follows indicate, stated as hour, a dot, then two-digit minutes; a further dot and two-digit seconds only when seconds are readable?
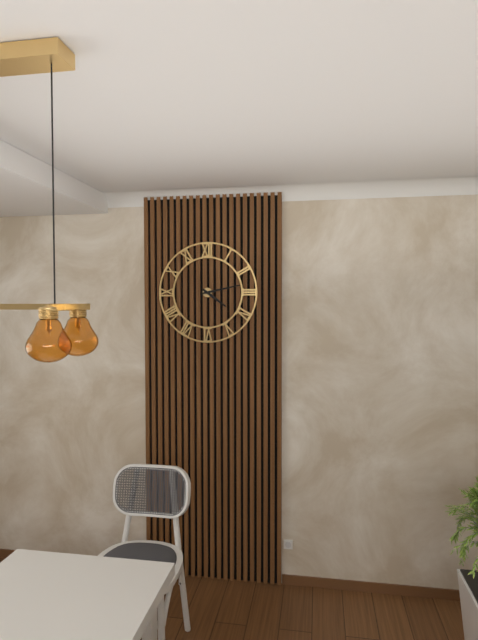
4.13
